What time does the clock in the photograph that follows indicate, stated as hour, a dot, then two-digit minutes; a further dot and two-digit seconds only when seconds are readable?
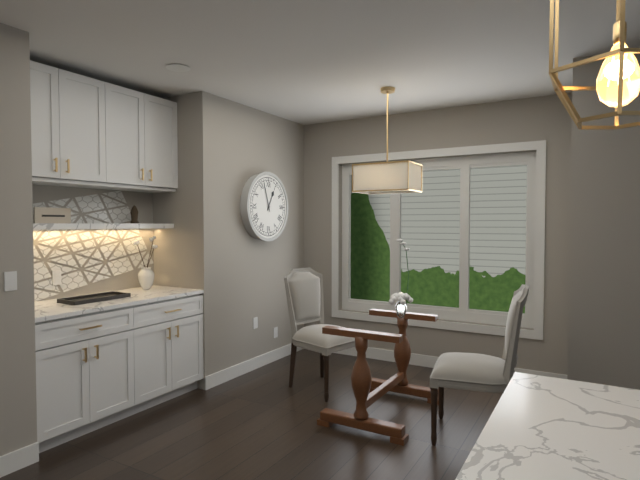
12.57
